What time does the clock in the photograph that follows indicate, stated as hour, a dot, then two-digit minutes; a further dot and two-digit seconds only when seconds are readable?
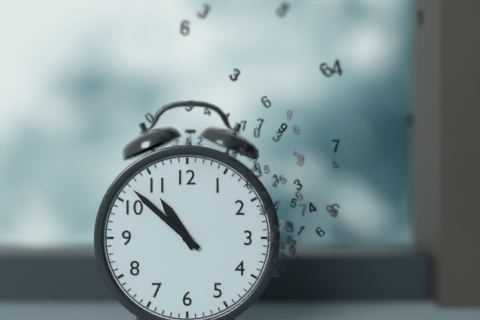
10.52
